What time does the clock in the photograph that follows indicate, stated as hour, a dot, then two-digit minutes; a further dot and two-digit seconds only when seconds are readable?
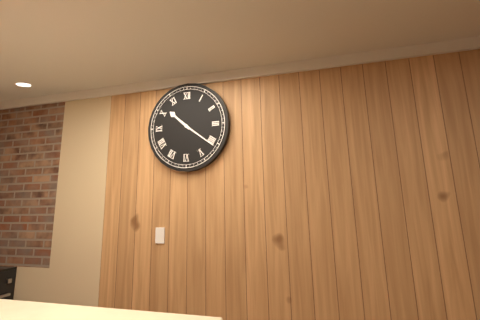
10.21
